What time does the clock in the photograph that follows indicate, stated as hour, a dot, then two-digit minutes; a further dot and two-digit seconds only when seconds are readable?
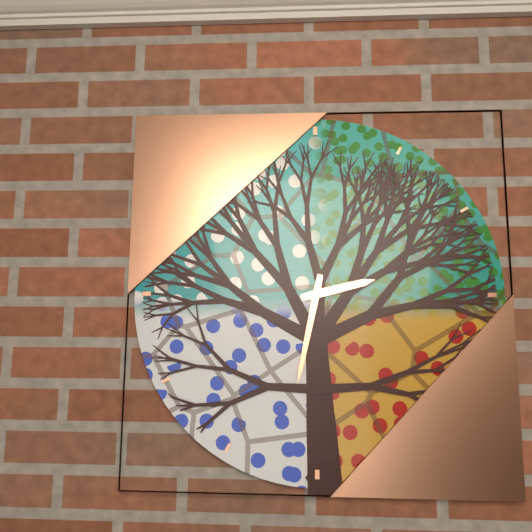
2.32
